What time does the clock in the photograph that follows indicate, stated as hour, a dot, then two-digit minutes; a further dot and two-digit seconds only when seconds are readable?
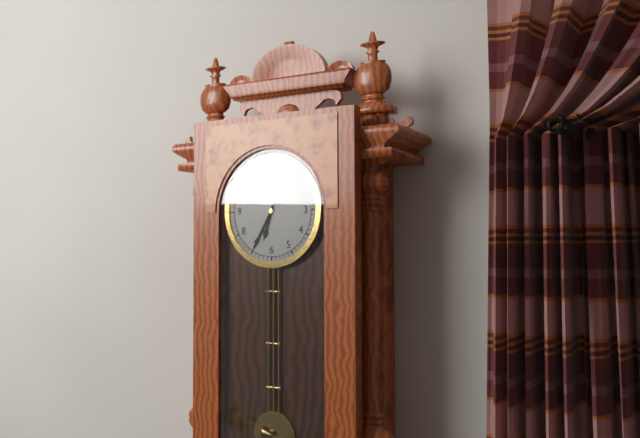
6.35
